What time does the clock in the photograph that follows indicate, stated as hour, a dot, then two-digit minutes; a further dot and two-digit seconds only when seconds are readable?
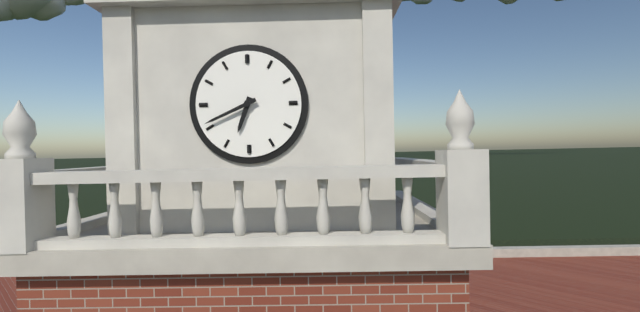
6.41
